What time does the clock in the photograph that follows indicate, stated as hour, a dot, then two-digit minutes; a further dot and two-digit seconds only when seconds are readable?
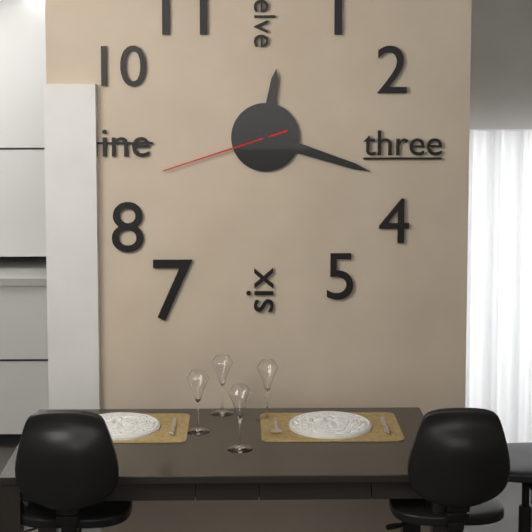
12.18.42
